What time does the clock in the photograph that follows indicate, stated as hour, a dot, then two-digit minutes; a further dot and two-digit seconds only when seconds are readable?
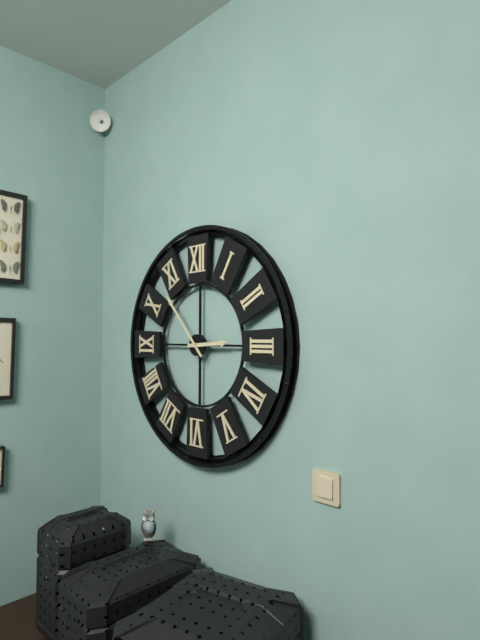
2.53
